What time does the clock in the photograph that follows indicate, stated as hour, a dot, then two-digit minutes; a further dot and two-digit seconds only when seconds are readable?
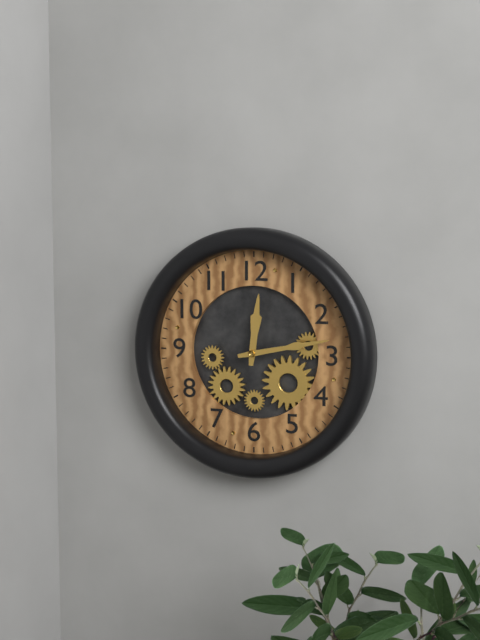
12.13
